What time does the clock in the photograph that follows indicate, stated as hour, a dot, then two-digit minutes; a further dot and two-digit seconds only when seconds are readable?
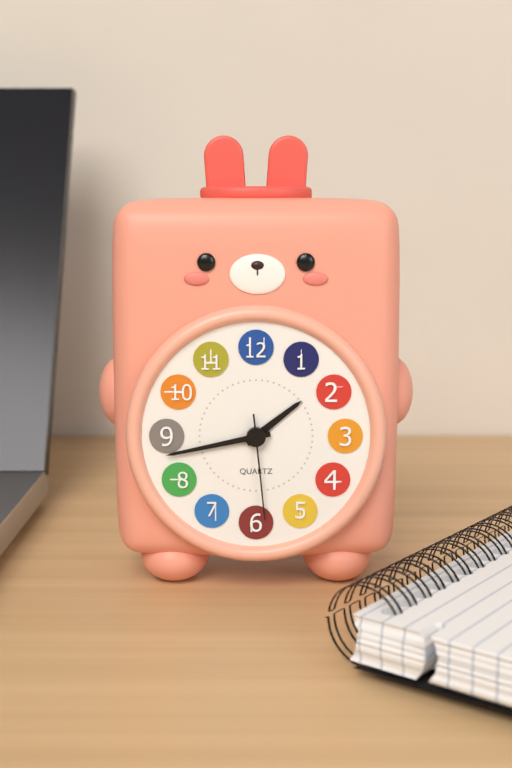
1.43.29
